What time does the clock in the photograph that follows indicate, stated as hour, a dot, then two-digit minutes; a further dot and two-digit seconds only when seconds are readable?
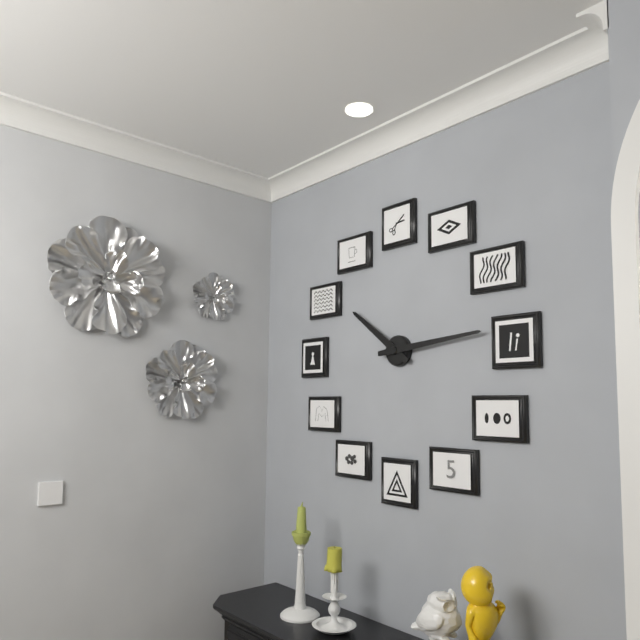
10.14
